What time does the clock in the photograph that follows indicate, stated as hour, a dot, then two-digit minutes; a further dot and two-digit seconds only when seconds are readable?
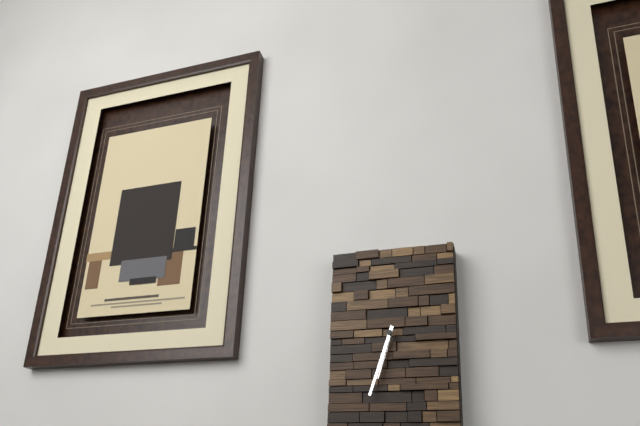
6.33
